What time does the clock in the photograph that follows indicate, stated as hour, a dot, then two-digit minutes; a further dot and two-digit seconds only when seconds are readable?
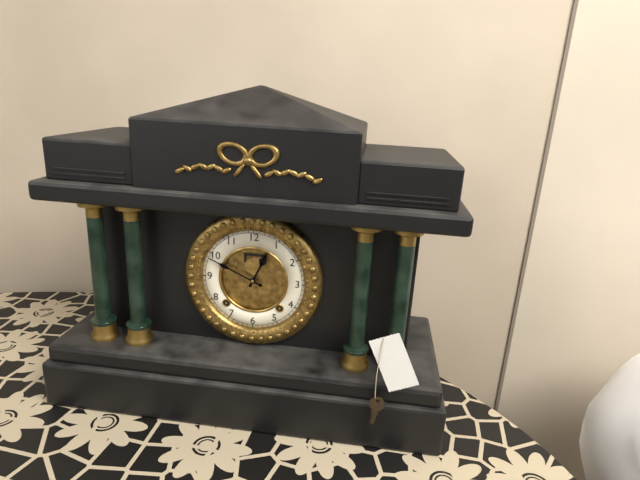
12.49
